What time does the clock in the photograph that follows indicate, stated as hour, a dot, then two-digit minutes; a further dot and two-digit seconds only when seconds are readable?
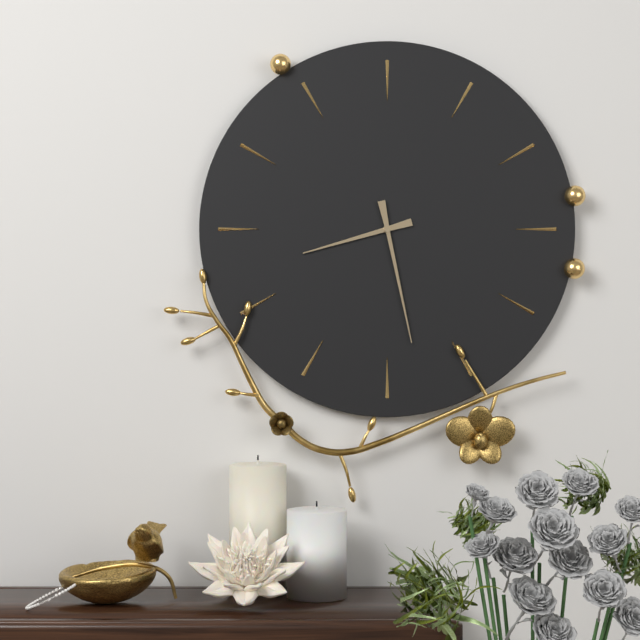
8.28
